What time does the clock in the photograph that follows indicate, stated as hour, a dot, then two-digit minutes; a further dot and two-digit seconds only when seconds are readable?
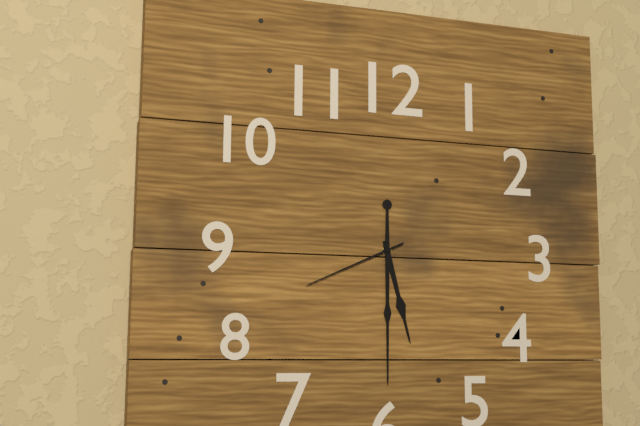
5.30.41
